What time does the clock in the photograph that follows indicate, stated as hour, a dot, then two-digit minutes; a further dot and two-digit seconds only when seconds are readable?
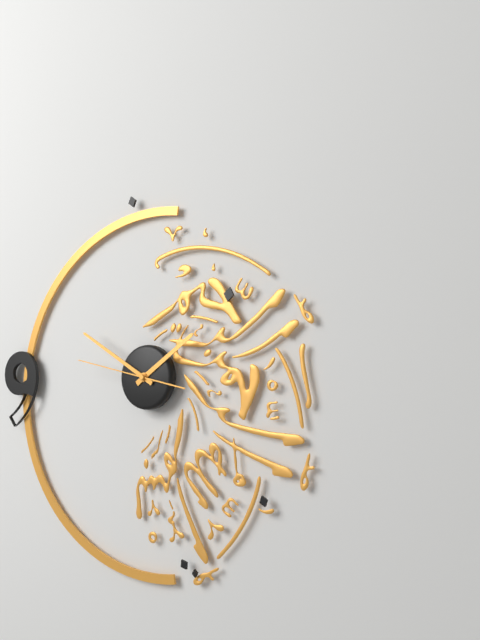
1.50.47
